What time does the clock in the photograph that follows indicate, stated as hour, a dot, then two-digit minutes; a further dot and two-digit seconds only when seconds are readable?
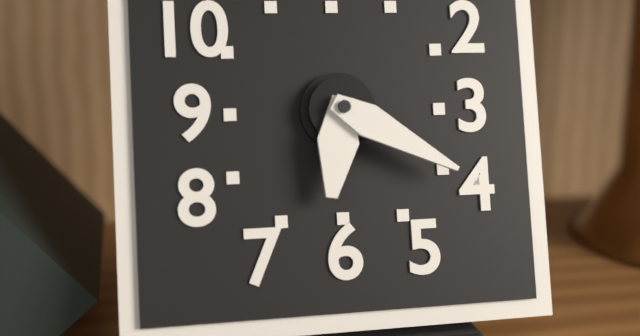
6.20
